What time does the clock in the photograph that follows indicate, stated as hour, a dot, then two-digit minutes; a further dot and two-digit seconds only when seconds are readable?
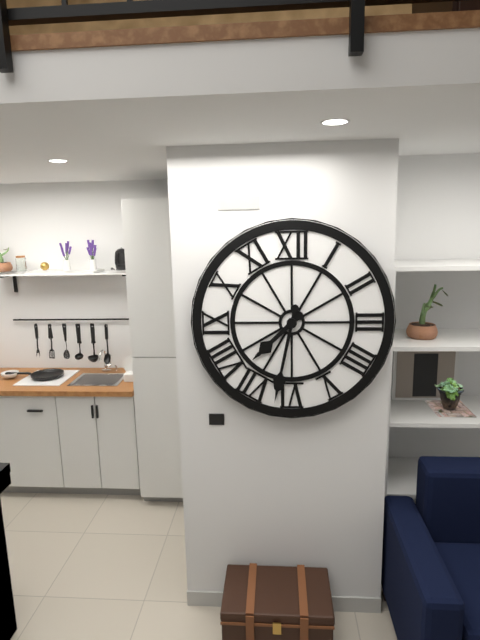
7.32
